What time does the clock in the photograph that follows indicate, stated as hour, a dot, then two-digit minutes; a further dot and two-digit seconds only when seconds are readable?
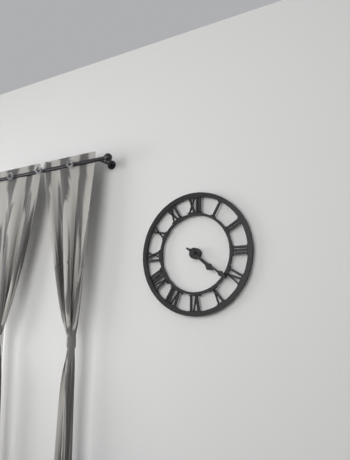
4.21
